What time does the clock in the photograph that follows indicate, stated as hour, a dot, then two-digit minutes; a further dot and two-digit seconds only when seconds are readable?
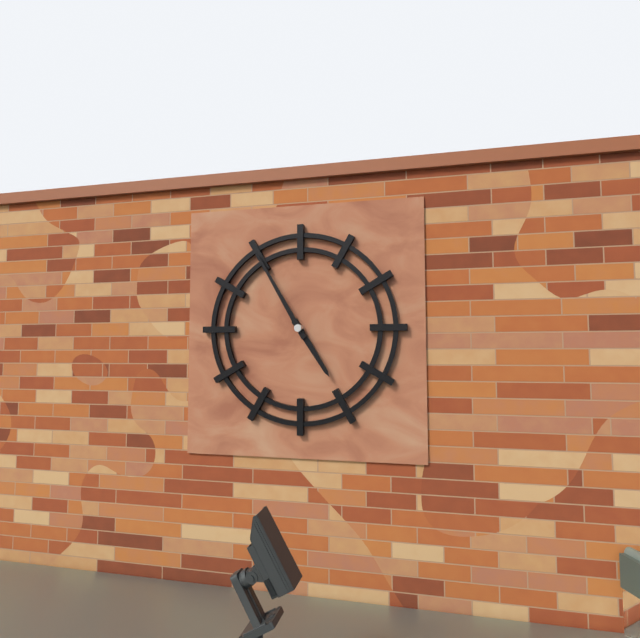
4.55
